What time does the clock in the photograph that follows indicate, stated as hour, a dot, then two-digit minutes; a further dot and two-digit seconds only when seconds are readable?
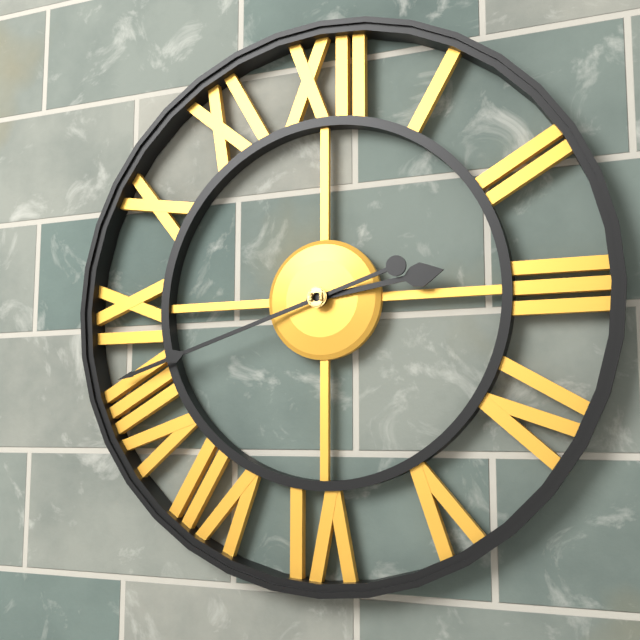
2.42
